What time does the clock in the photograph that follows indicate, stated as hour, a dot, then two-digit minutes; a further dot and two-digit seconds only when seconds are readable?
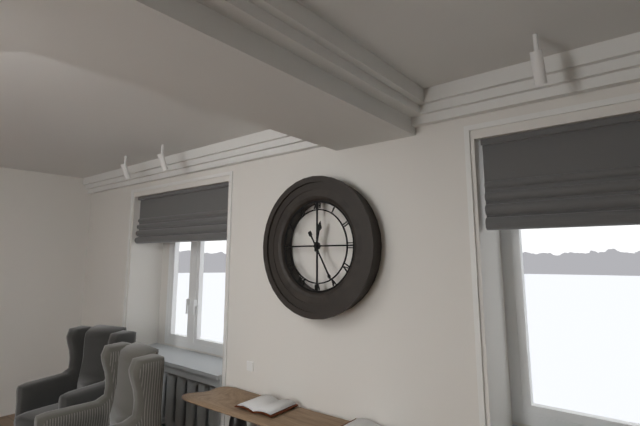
12.25
